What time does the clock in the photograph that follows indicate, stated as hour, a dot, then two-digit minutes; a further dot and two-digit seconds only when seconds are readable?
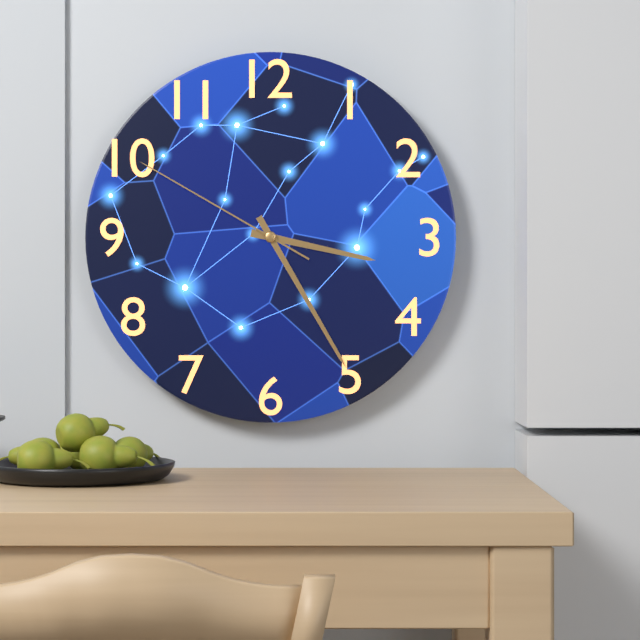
3.25.50
